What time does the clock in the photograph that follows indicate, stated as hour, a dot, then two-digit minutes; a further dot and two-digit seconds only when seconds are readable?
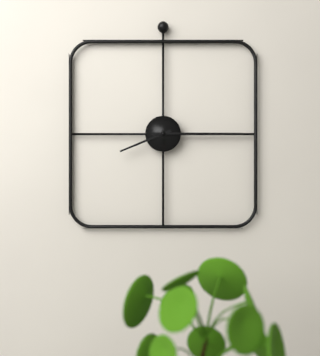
8.15
